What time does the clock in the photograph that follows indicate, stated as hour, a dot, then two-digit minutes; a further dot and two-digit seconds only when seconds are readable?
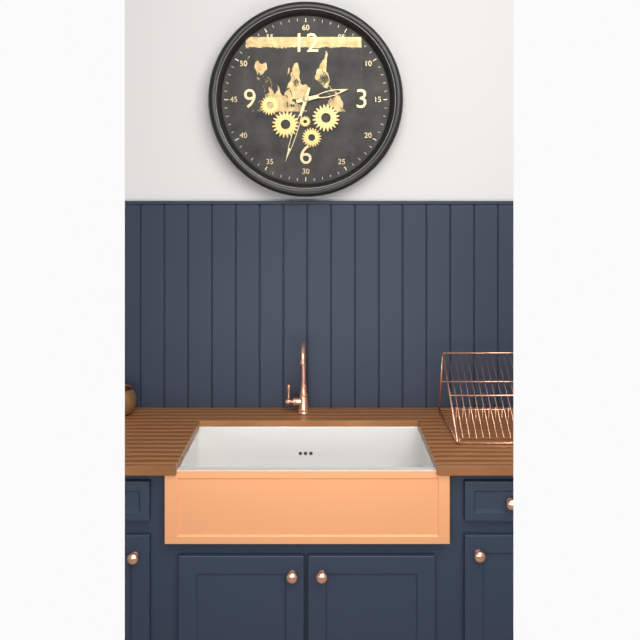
2.33
